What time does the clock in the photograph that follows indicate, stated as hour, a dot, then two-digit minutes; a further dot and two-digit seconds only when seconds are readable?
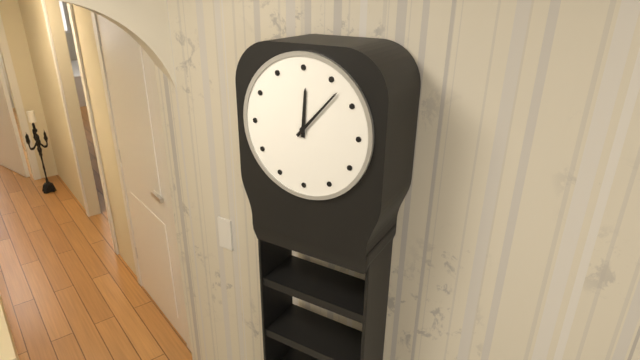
12.07
